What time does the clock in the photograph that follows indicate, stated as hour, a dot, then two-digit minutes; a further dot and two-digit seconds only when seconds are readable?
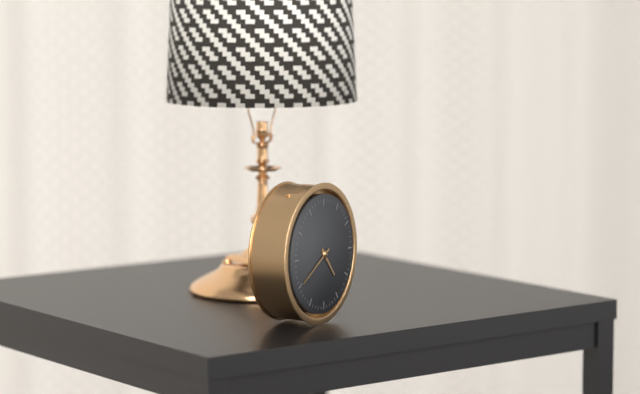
4.40
